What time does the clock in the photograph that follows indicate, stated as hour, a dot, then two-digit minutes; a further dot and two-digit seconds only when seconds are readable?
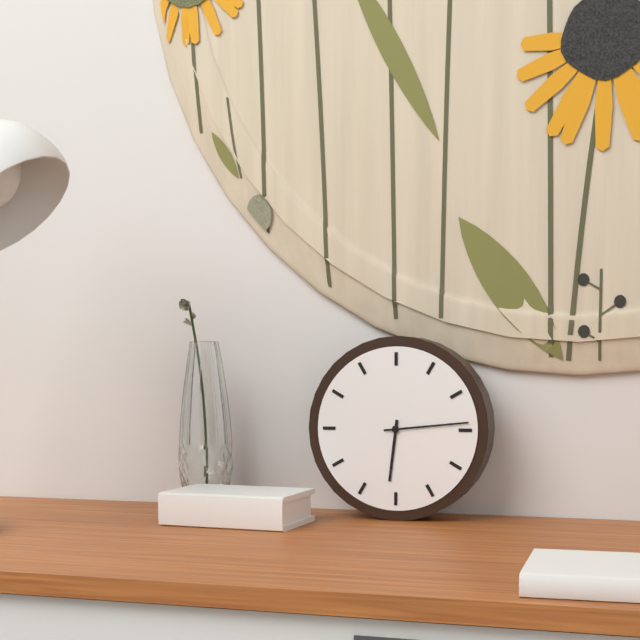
6.14
